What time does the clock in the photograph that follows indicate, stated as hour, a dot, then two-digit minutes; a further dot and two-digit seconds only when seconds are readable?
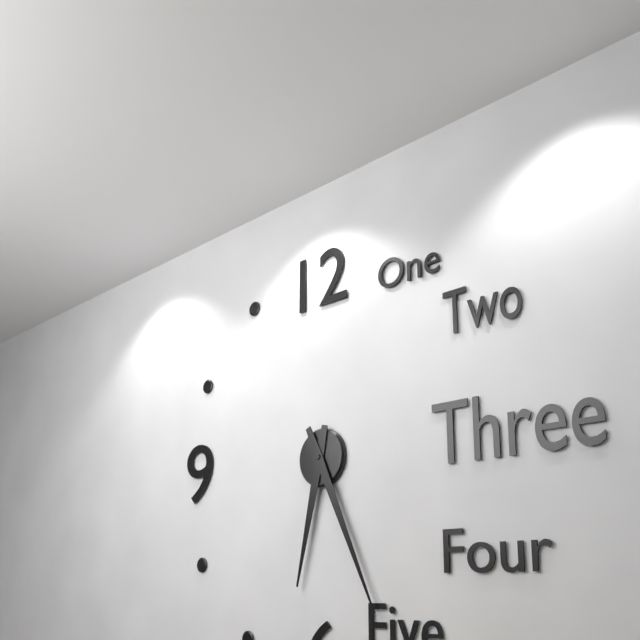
6.26
